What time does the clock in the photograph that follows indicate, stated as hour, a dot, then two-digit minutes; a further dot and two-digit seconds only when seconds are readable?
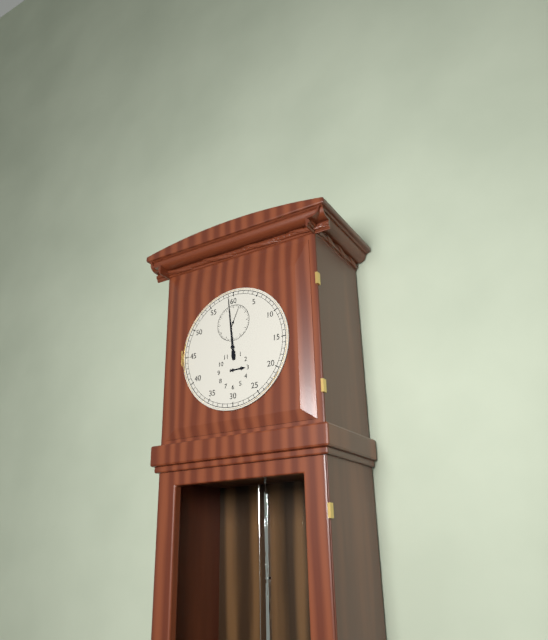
2.59
